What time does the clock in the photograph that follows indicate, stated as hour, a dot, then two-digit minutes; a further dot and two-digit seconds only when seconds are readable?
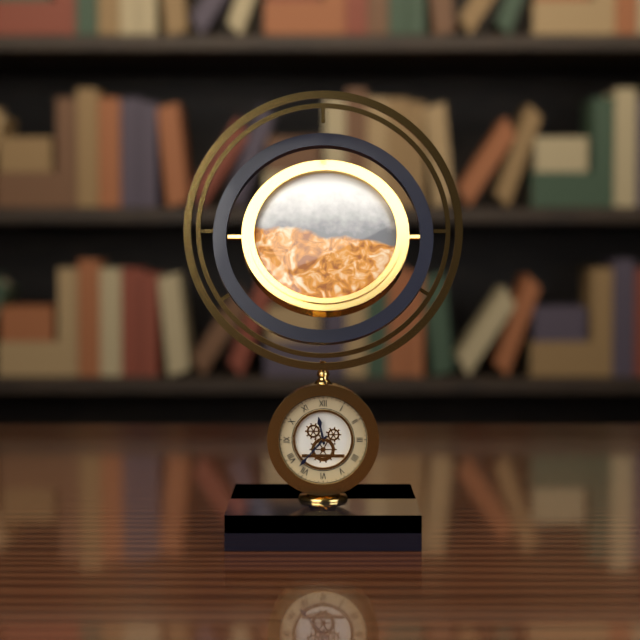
11.37
